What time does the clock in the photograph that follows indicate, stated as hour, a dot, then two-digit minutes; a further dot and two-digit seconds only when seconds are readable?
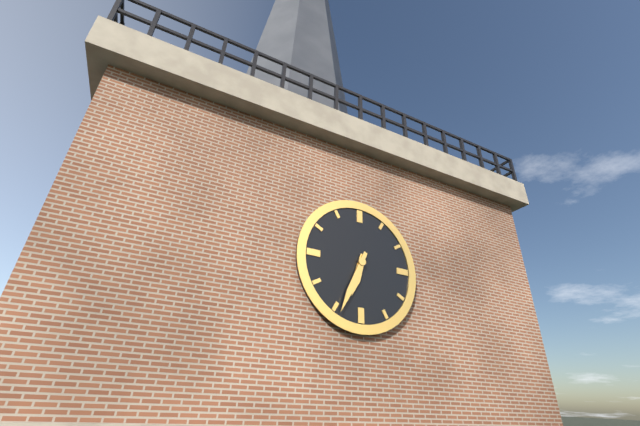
6.34
